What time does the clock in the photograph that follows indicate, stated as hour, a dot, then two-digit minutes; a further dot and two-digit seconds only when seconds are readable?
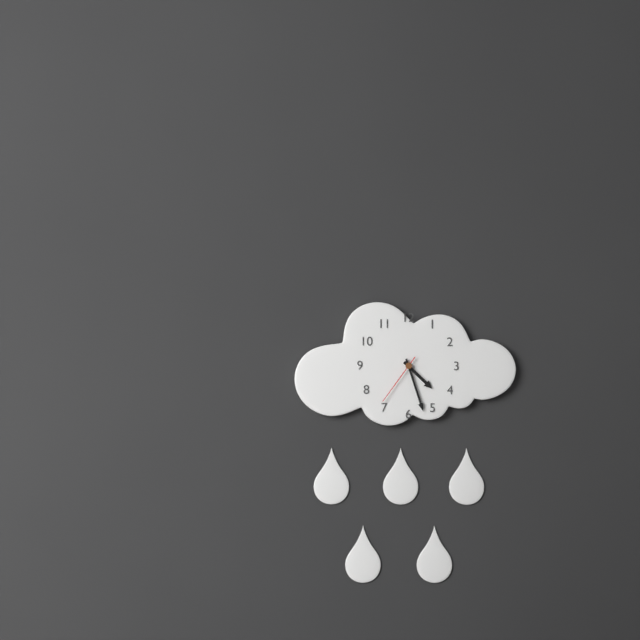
4.27.36
